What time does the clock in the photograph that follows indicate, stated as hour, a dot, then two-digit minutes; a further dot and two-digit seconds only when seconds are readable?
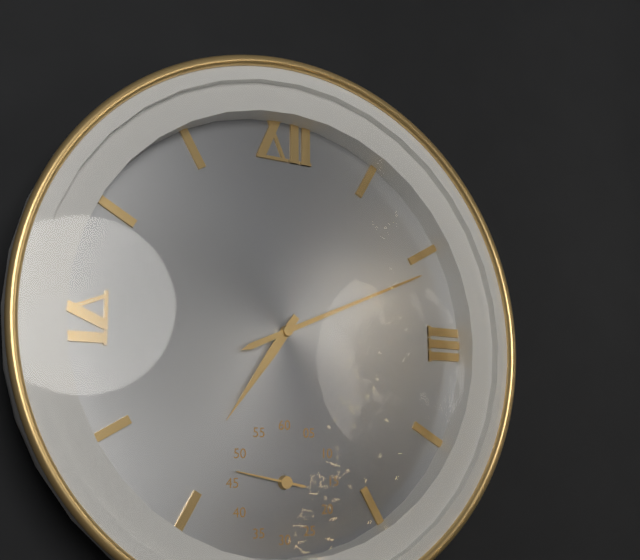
7.11
